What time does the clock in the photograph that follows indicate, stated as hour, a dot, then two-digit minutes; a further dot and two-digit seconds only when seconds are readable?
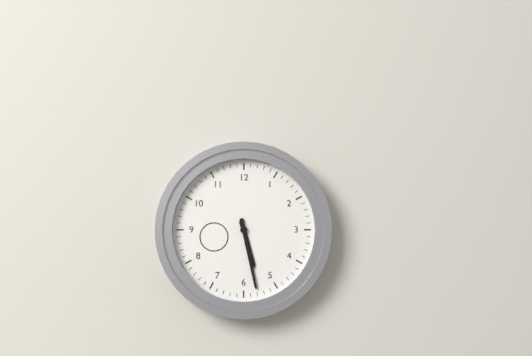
5.28
